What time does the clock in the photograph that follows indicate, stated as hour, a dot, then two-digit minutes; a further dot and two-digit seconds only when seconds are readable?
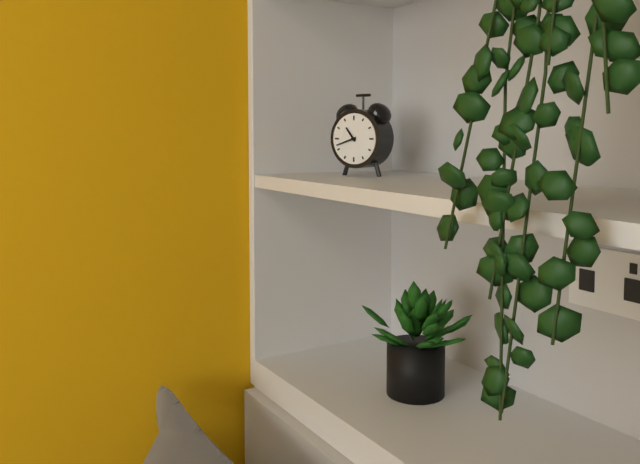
10.42
